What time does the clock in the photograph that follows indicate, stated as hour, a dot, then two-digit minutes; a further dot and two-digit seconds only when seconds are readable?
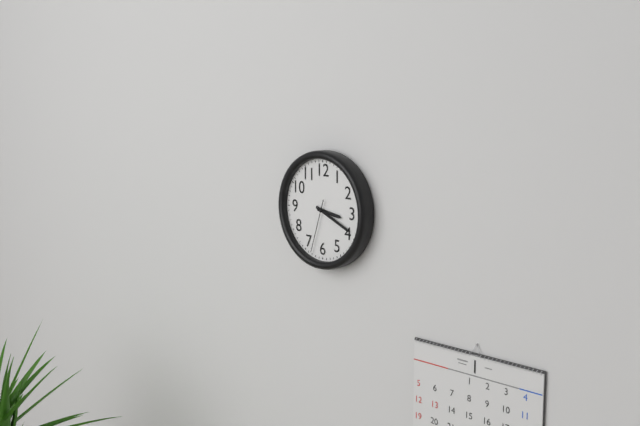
3.19.33
